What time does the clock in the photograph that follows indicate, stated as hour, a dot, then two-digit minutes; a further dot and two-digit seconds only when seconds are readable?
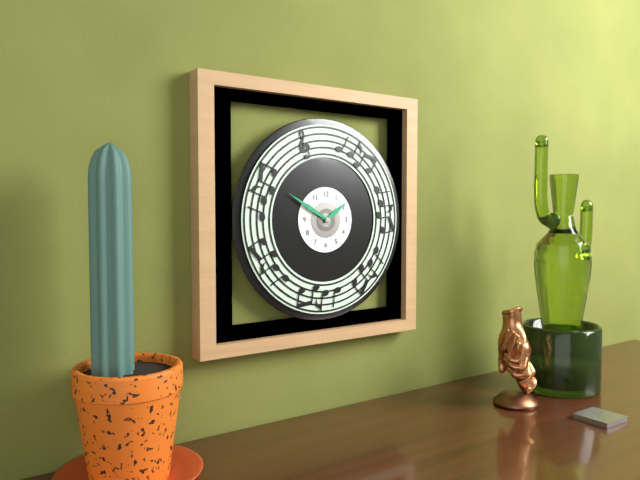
1.50
